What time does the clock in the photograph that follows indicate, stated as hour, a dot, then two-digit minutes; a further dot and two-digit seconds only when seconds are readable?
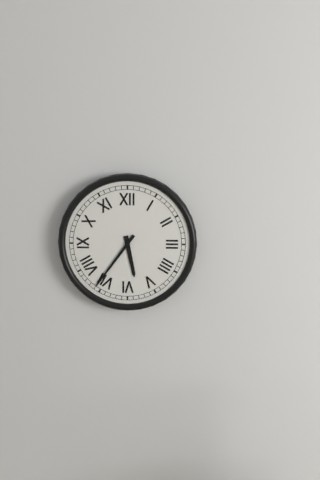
5.36
